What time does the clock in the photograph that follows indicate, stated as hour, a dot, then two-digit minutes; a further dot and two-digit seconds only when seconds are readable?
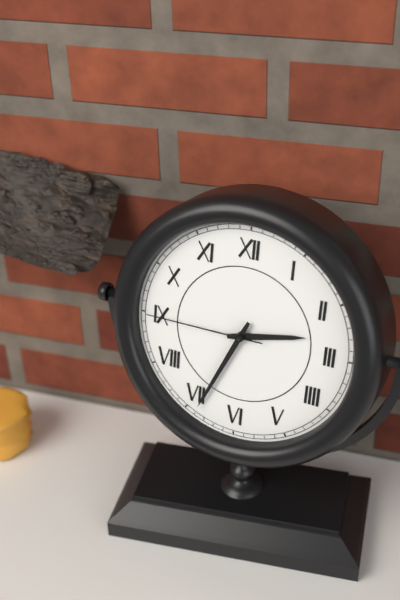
2.34.45
